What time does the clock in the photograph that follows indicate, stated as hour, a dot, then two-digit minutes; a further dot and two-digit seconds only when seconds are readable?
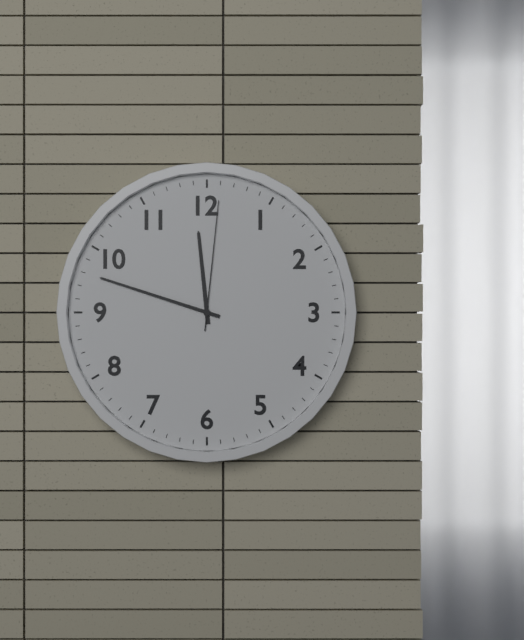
11.48.01
